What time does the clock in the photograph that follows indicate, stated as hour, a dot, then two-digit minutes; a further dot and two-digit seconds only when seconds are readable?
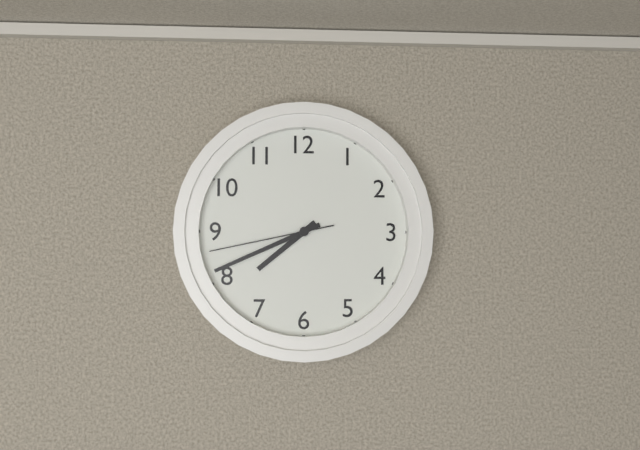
7.41.43
